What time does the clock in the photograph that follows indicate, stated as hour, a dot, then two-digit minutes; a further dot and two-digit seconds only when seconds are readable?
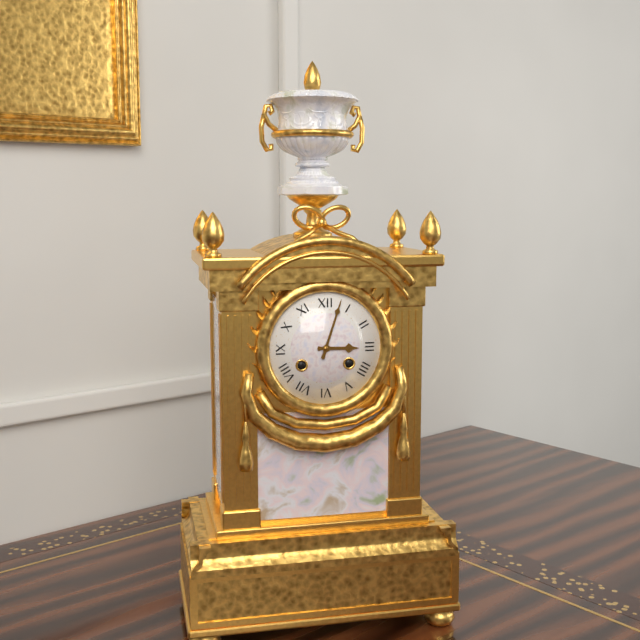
3.03
